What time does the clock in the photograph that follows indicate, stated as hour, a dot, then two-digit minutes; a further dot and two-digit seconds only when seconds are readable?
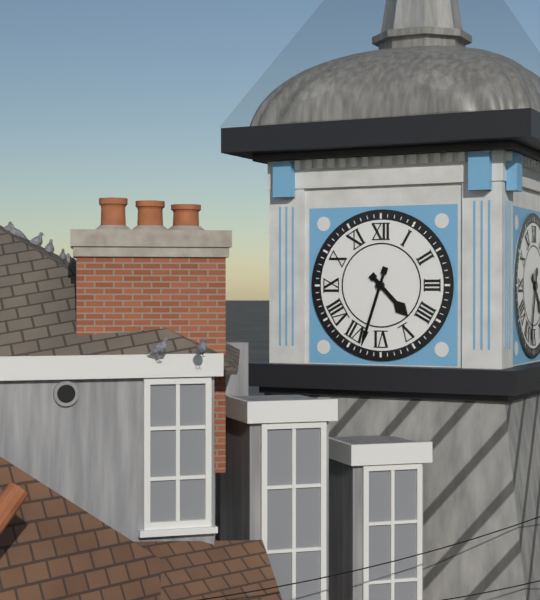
4.33
